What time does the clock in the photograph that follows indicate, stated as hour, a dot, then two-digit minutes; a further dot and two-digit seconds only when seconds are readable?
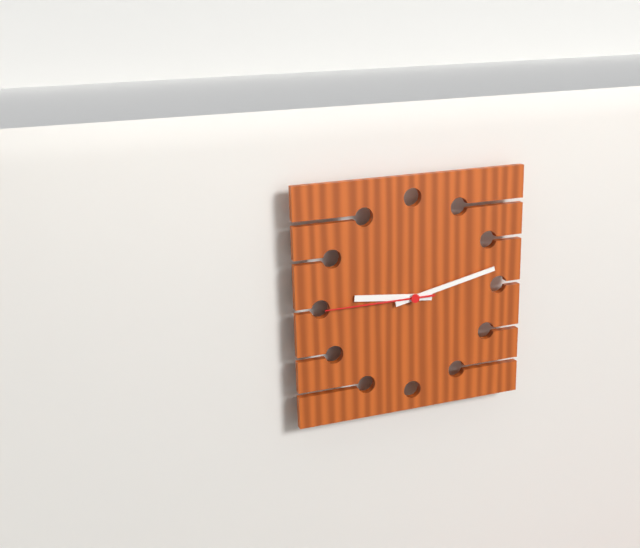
9.13.45
